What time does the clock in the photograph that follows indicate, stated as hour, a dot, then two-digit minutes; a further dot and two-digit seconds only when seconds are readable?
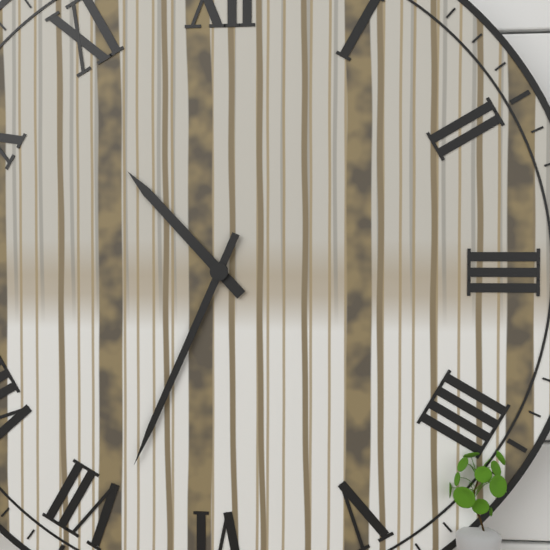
10.34
